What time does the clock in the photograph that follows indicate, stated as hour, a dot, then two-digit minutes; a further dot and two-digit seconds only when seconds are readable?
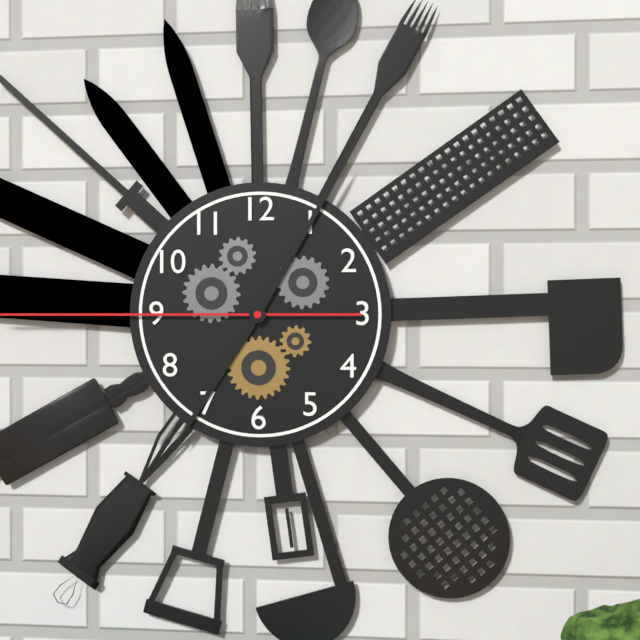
7.05
